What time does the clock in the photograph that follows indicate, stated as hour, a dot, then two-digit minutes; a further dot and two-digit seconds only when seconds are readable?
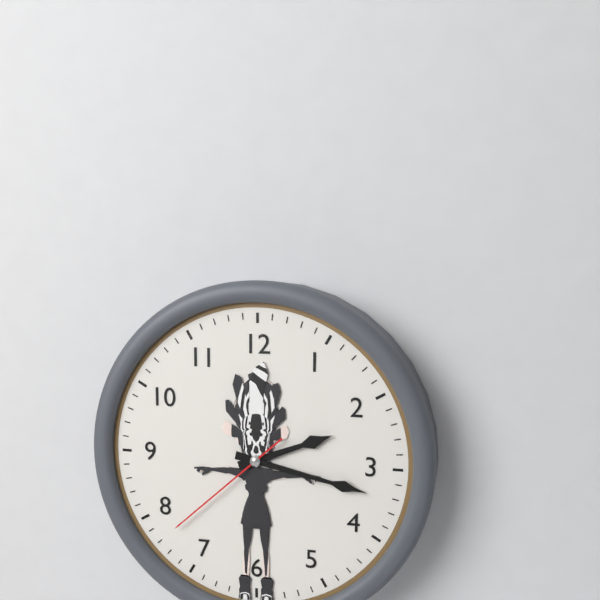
2.17.38
